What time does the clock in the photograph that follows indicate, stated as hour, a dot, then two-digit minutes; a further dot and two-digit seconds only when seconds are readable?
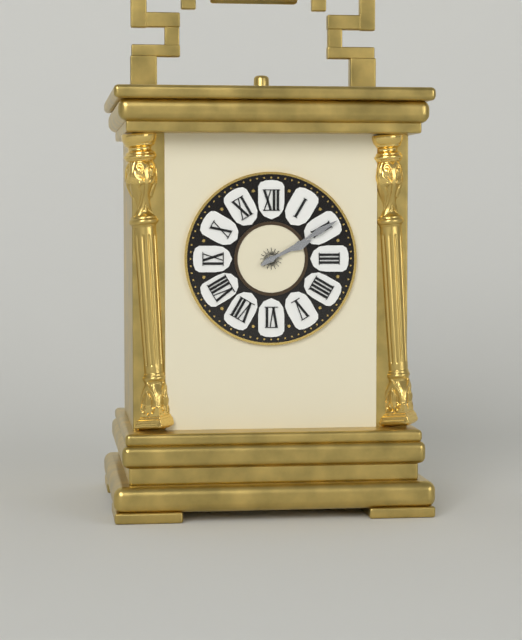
2.10
